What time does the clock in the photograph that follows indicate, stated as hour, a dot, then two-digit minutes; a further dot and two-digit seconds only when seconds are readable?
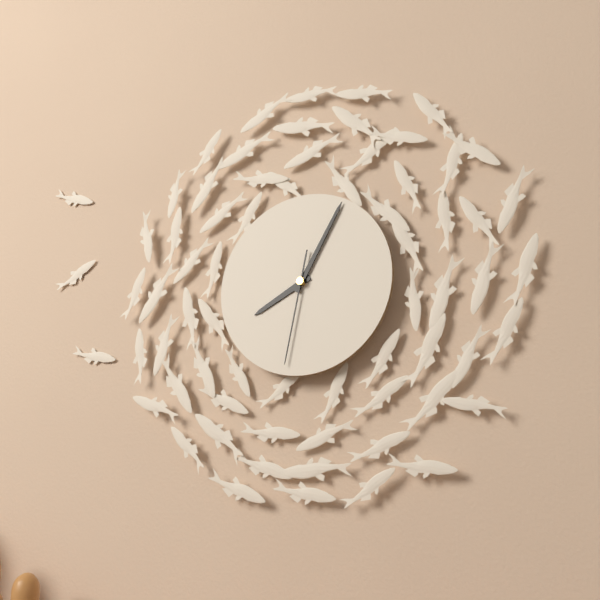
8.05.32
